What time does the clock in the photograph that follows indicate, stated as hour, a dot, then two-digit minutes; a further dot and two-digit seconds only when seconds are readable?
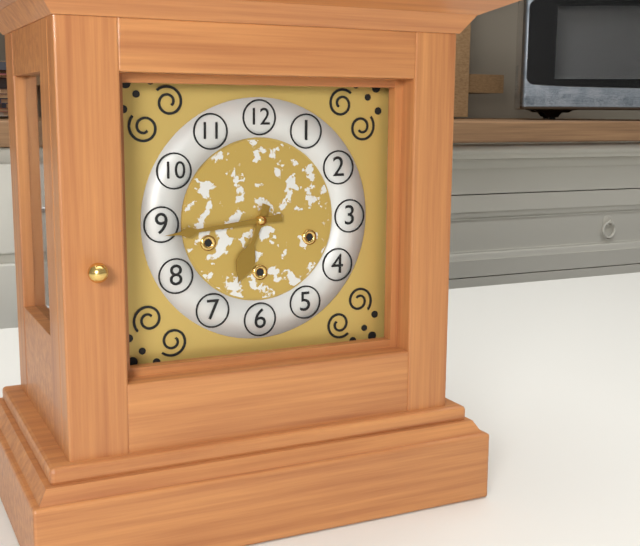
6.44
